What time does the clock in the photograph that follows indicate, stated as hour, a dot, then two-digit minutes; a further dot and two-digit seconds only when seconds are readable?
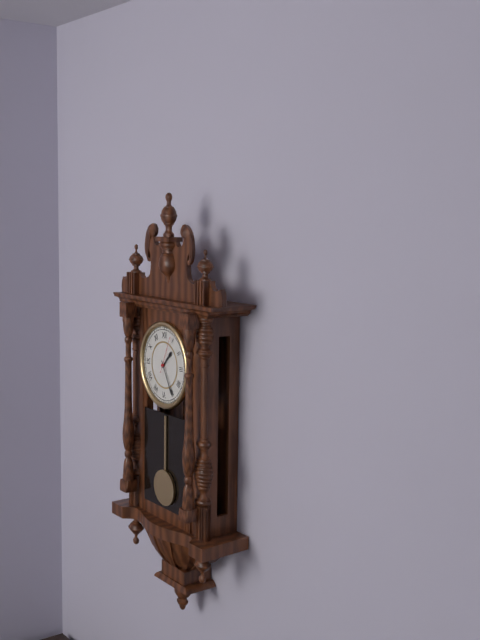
1.25
